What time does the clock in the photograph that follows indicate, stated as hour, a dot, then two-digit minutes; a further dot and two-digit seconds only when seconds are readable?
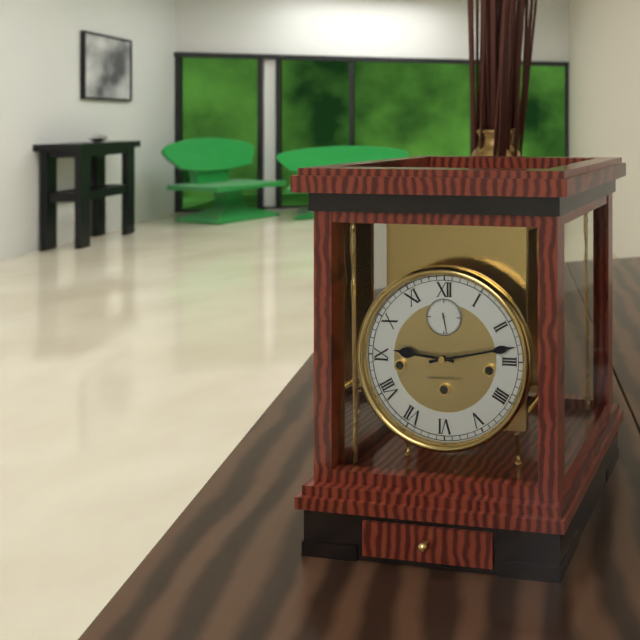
9.13
